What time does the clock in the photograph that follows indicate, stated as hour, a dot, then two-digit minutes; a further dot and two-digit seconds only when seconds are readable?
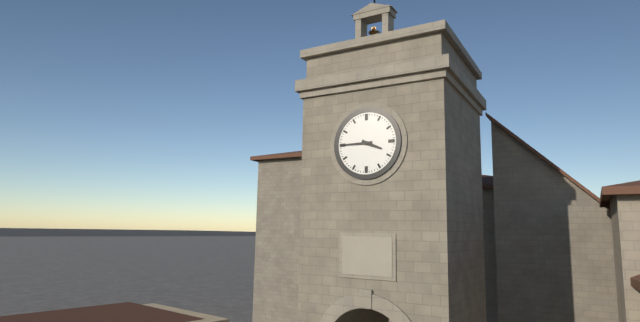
3.45
